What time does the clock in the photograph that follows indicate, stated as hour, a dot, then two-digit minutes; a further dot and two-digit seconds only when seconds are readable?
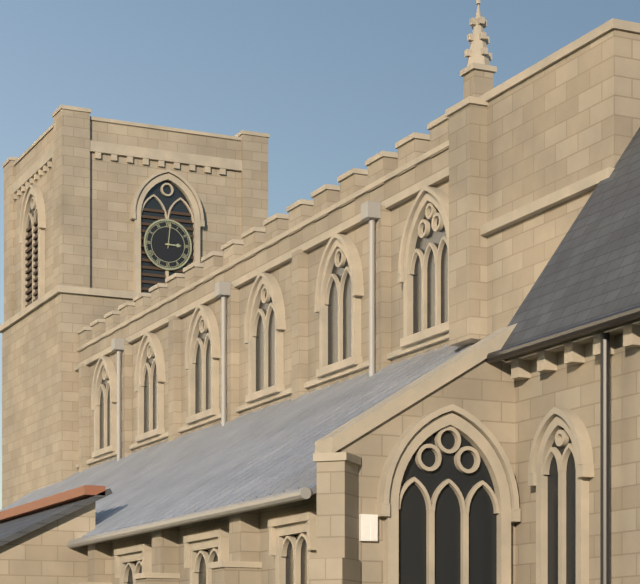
3.01
